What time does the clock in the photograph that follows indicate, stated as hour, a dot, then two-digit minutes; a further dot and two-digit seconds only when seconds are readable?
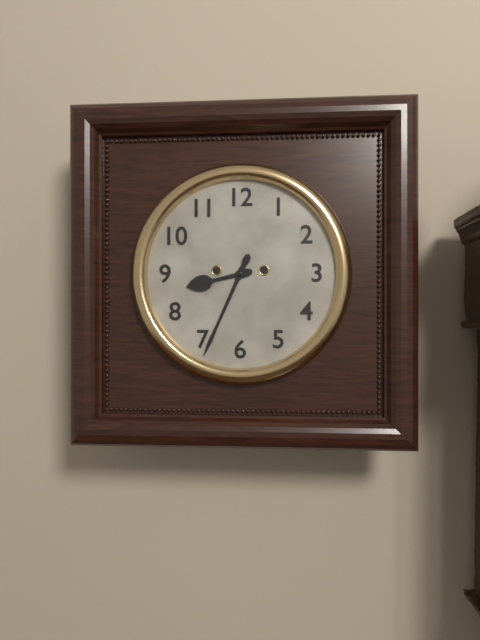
8.34
